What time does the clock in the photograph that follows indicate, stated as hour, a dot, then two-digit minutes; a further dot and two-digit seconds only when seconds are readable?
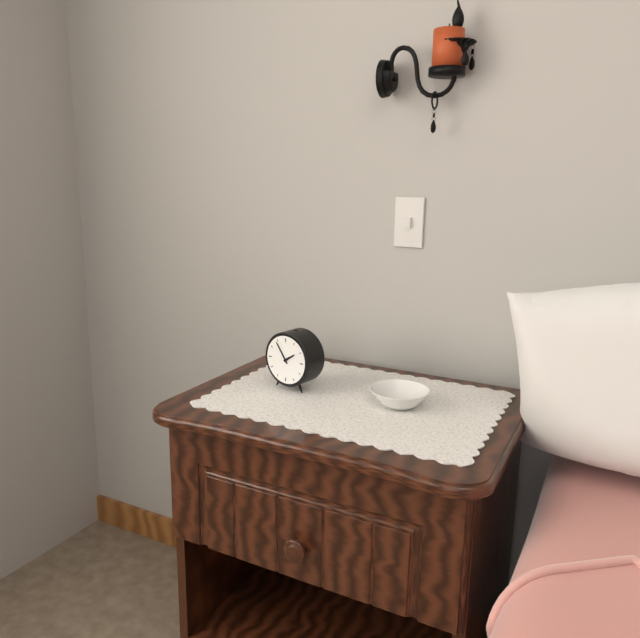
1.54
